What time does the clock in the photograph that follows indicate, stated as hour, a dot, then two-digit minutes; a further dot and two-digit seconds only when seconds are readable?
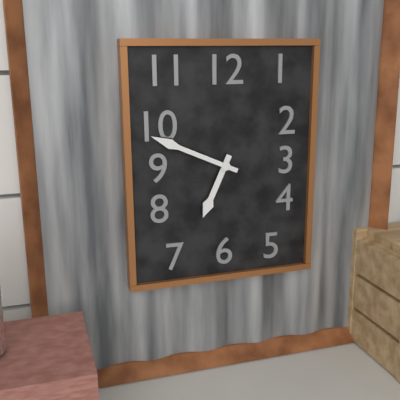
6.49
